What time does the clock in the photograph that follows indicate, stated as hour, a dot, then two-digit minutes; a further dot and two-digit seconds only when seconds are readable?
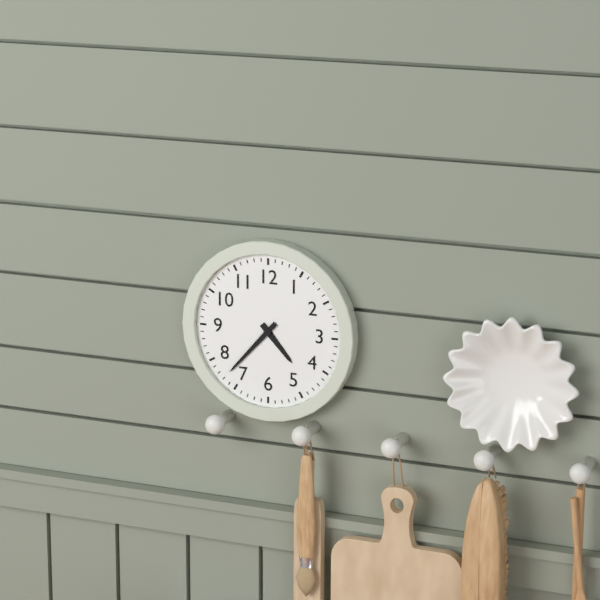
4.37
